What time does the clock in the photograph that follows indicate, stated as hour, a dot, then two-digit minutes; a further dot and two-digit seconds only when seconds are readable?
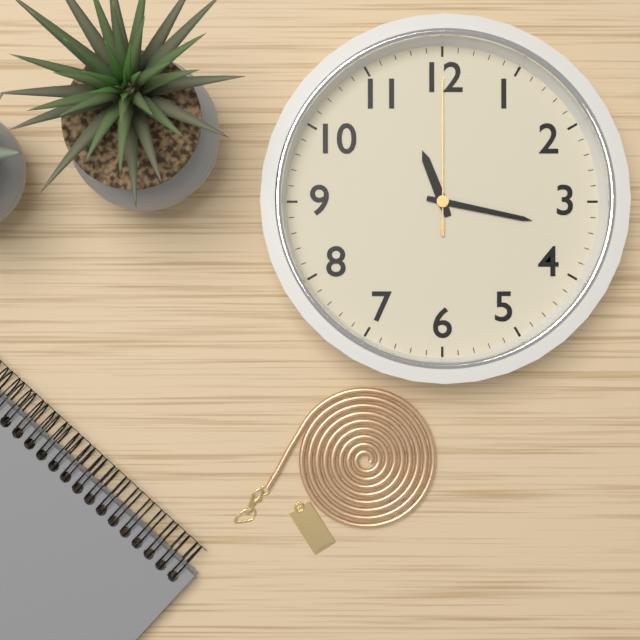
11.17.00
